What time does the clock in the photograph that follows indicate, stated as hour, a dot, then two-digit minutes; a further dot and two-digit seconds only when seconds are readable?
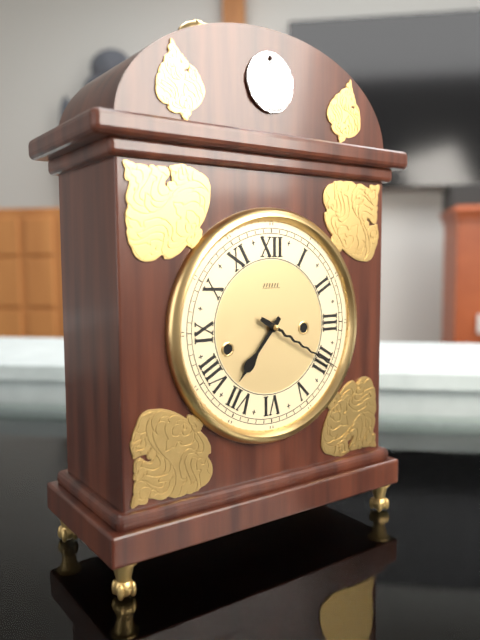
7.20
